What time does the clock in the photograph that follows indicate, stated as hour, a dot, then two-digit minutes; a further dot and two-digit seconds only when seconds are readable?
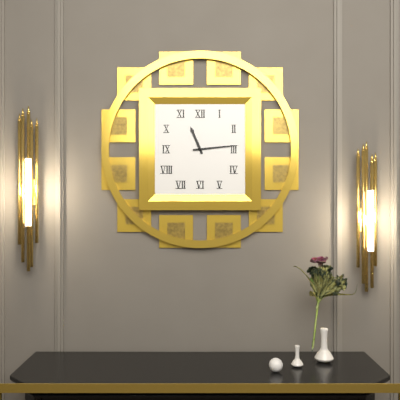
11.14
